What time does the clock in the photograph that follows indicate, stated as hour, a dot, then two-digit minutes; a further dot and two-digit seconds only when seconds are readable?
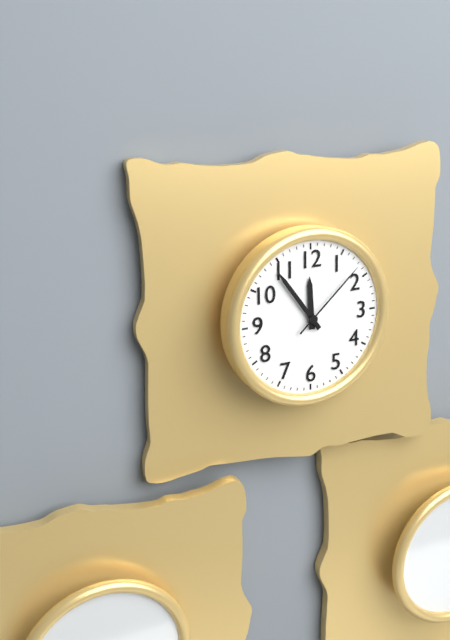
11.54.08
